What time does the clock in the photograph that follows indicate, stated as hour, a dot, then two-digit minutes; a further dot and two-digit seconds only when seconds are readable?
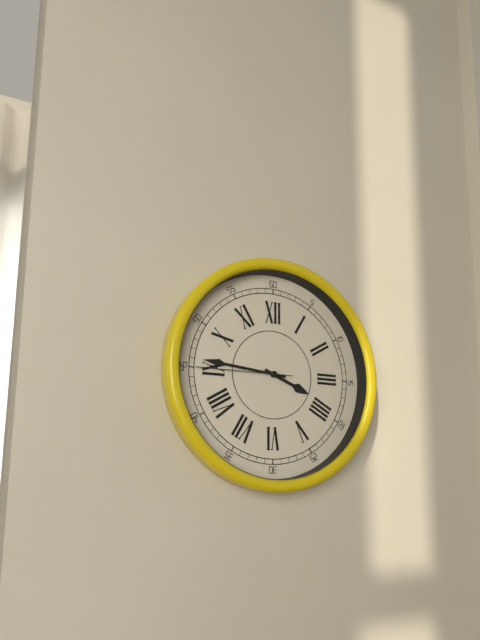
3.46.45
